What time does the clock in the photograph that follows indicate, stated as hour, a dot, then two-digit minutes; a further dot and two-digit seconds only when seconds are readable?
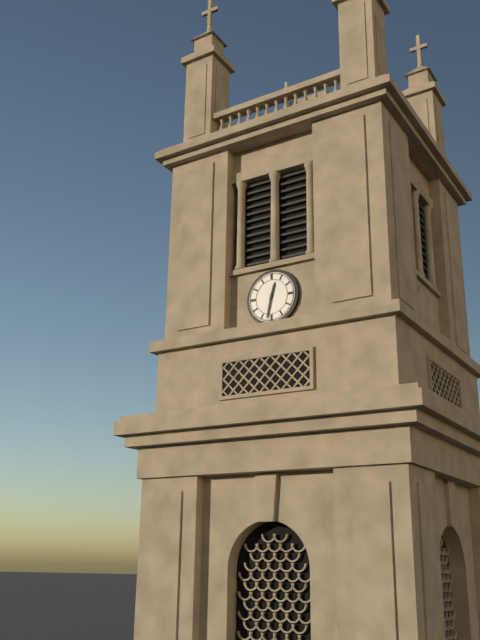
12.32
